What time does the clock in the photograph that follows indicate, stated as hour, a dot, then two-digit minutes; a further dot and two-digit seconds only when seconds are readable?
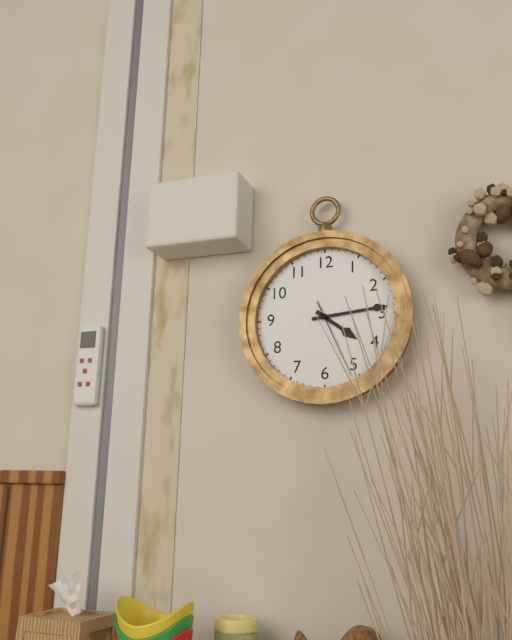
4.14.26
